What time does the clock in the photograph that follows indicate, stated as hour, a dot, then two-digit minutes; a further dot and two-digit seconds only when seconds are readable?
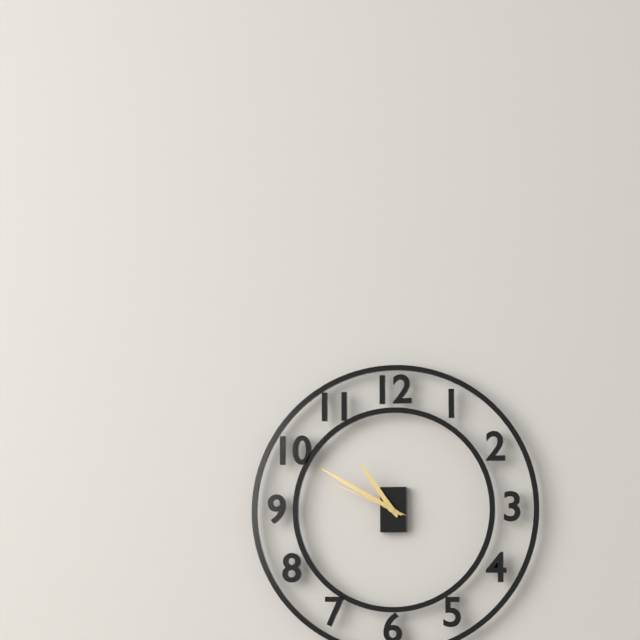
10.50.49
